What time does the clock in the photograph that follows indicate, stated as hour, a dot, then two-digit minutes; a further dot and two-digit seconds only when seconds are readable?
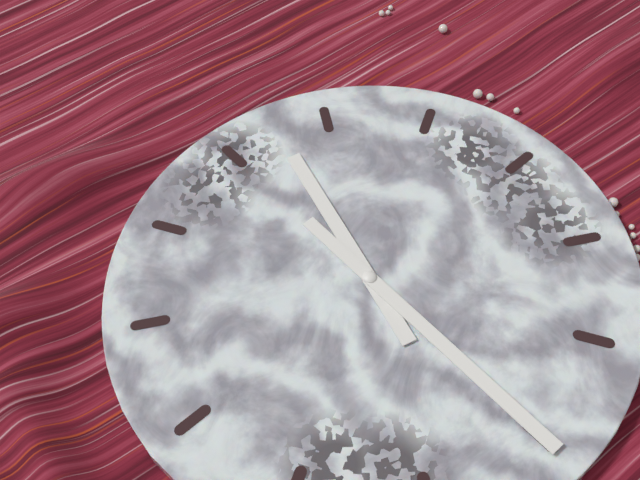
12.30
